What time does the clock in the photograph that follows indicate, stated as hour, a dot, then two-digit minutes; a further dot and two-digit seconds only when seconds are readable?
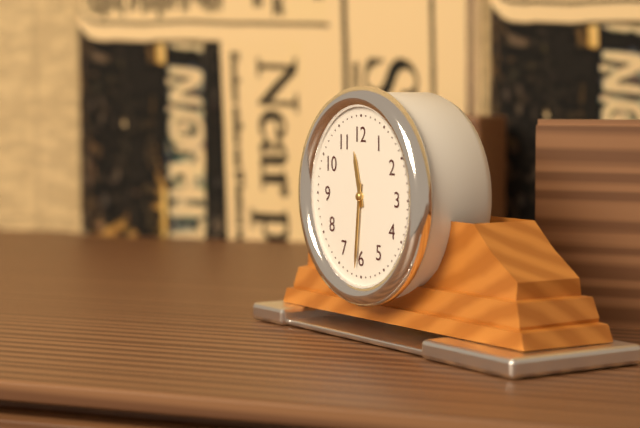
11.31
